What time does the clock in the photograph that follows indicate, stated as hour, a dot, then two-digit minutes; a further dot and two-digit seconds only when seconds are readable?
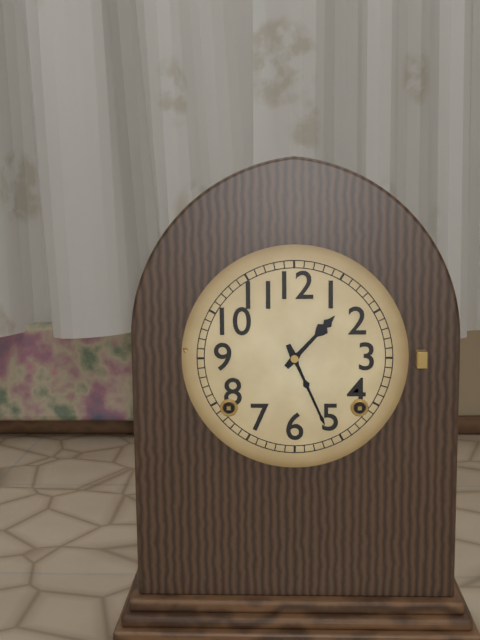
1.26
